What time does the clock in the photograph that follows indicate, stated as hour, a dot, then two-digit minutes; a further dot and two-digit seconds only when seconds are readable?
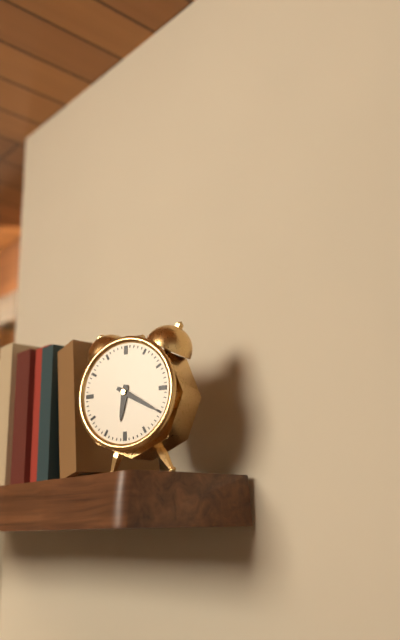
6.20
